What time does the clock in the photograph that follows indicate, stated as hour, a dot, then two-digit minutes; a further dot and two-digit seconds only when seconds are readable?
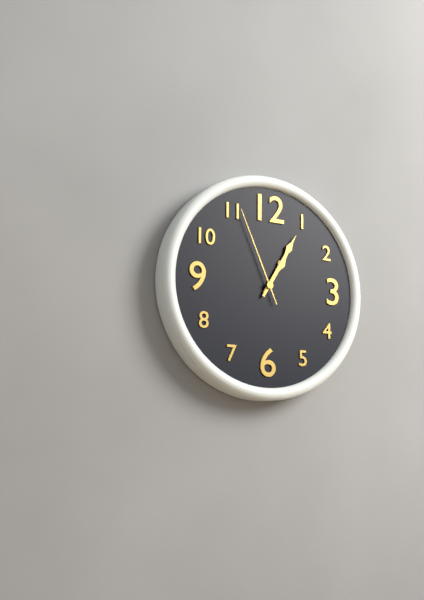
1.05.56
